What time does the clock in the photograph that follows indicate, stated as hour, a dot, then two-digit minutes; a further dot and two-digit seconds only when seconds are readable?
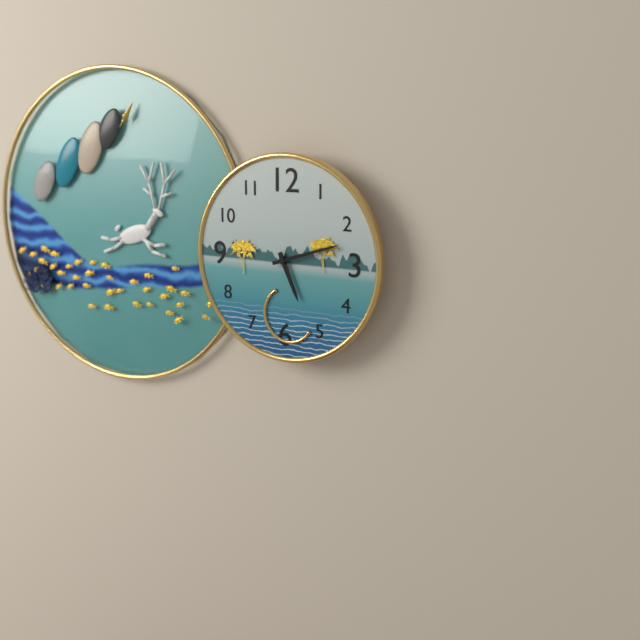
5.12
